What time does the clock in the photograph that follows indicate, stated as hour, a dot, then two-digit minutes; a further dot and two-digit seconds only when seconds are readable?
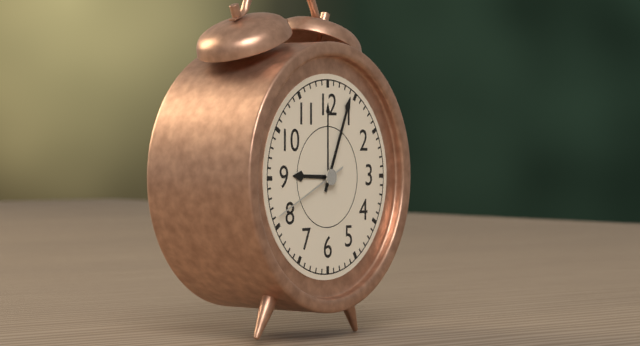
9.04.41
